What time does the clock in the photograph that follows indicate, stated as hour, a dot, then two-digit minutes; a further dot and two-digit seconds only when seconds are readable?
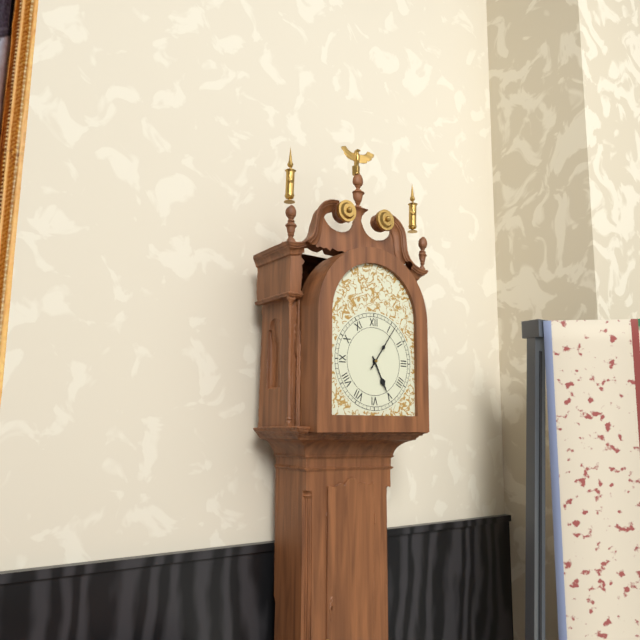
5.06
